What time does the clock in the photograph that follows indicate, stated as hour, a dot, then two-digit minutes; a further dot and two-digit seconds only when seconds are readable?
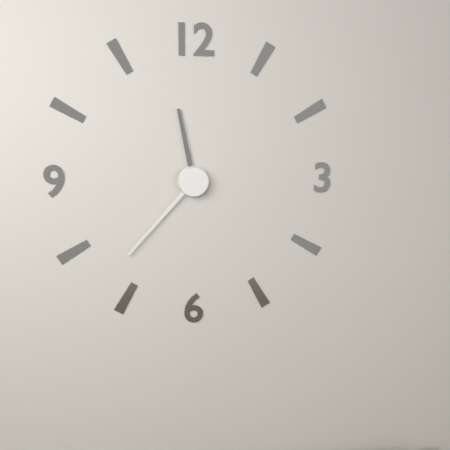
11.37
